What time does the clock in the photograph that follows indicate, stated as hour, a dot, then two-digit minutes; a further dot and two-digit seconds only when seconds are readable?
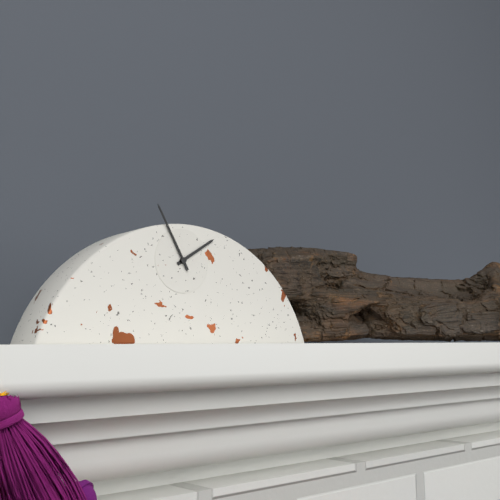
1.55
